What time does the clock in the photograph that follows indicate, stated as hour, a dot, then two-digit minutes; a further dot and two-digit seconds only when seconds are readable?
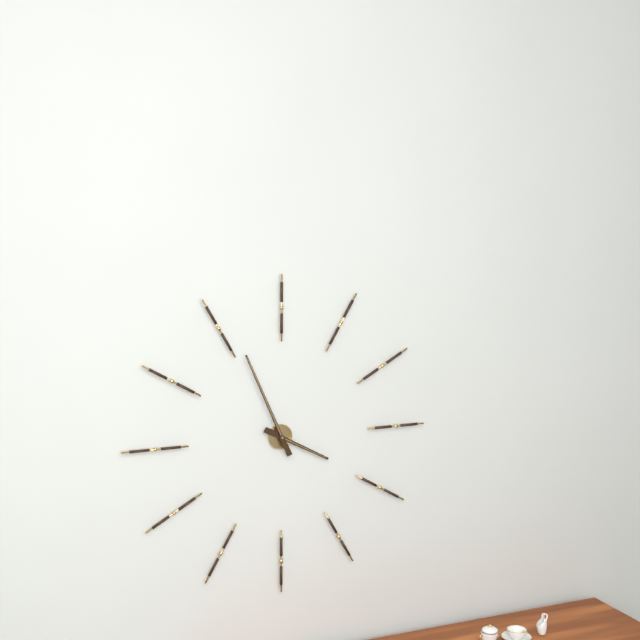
3.56
